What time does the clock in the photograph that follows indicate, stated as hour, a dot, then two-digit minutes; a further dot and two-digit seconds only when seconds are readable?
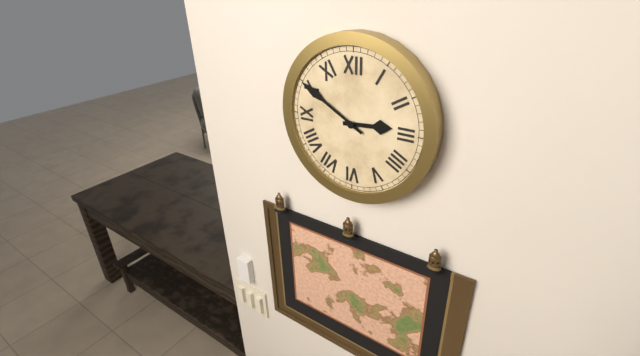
2.50
